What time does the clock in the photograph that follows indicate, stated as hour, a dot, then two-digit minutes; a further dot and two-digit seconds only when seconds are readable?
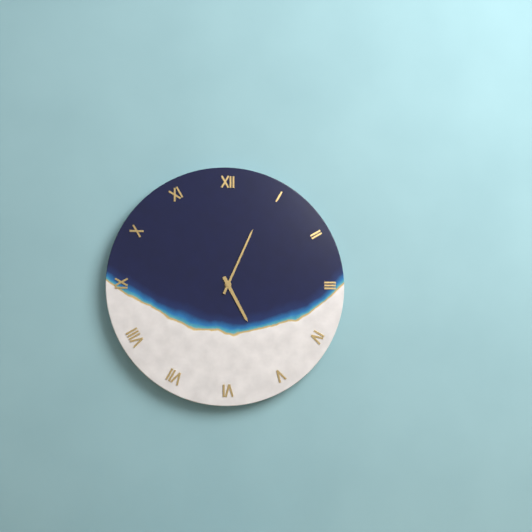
5.04
